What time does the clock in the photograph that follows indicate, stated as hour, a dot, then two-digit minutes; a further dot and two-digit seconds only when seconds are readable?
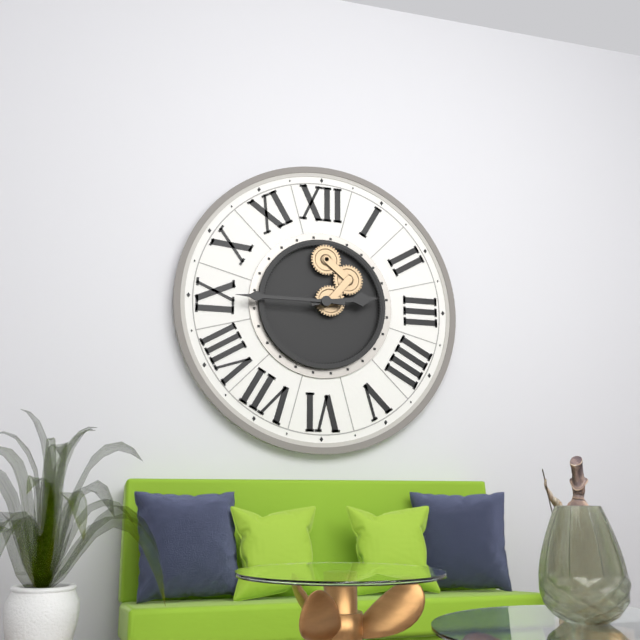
2.45
